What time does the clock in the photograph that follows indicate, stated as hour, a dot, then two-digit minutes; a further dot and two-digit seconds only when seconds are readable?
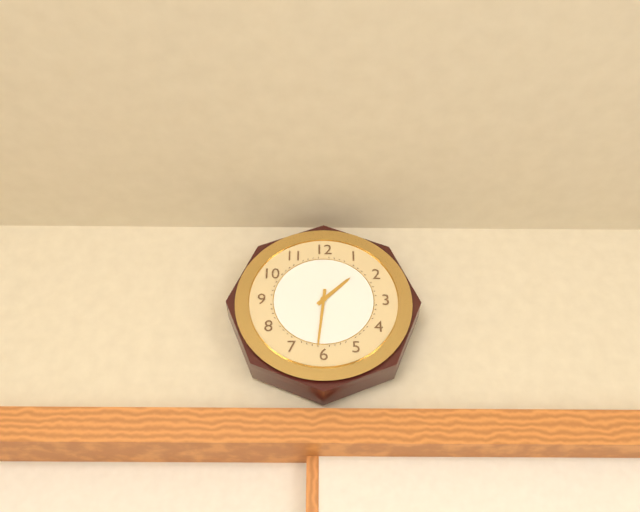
1.31
